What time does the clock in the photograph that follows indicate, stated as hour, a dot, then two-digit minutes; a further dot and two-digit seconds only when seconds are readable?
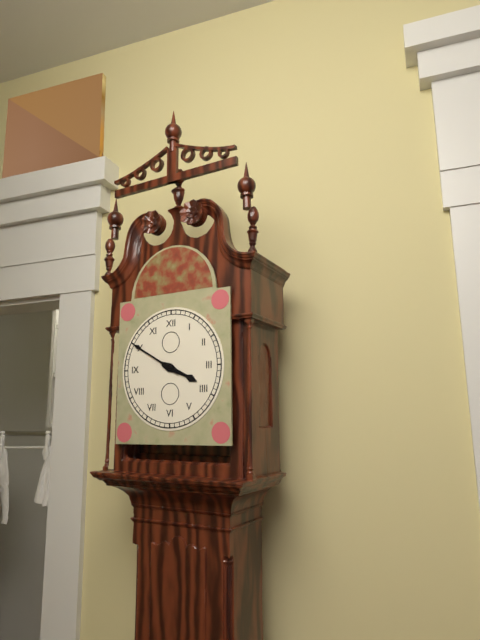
3.50
